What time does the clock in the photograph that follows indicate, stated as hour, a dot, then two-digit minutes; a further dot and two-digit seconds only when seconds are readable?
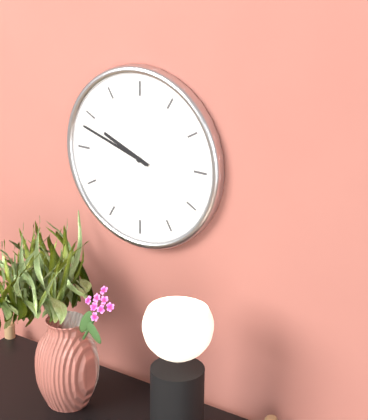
9.48
